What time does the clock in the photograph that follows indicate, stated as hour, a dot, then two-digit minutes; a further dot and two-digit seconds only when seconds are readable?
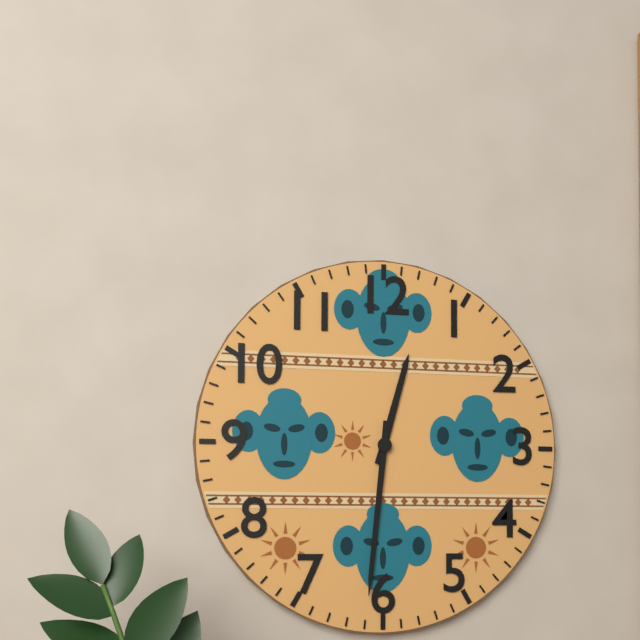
12.31
